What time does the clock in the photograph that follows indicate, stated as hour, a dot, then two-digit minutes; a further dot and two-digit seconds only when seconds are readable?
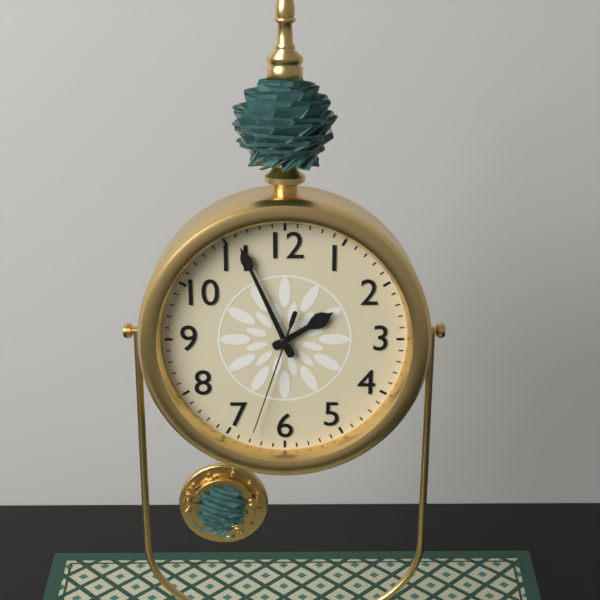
1.56.33
